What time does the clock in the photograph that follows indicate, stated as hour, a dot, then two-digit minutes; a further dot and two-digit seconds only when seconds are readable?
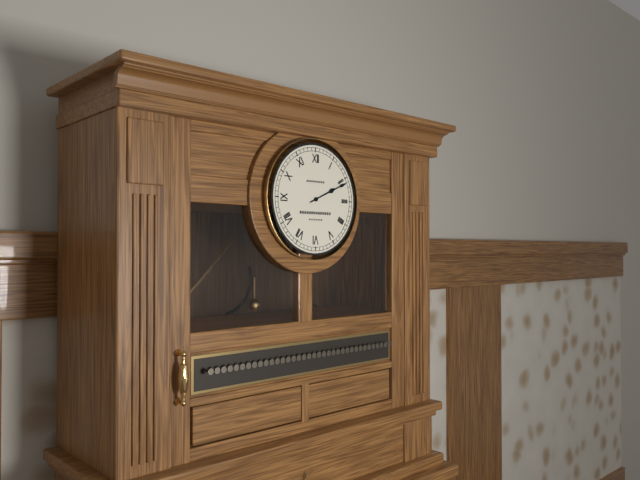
2.11
